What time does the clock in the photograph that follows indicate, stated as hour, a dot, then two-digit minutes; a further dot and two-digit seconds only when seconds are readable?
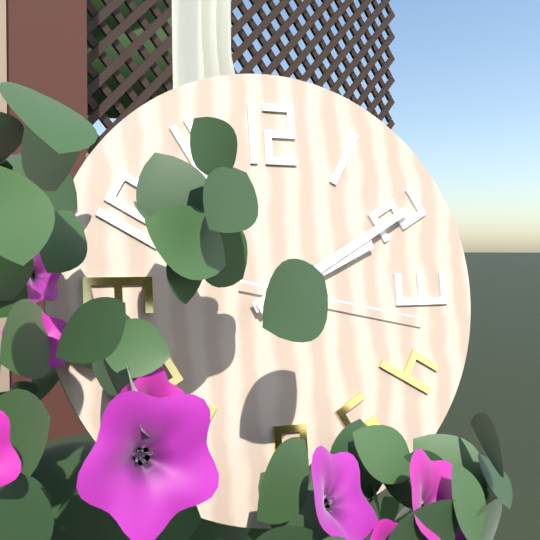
2.10.17
